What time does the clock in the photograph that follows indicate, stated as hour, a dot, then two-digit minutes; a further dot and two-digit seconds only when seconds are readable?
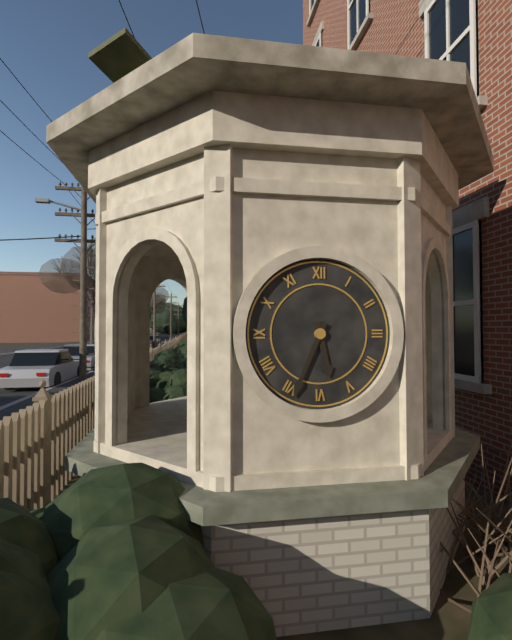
5.34
